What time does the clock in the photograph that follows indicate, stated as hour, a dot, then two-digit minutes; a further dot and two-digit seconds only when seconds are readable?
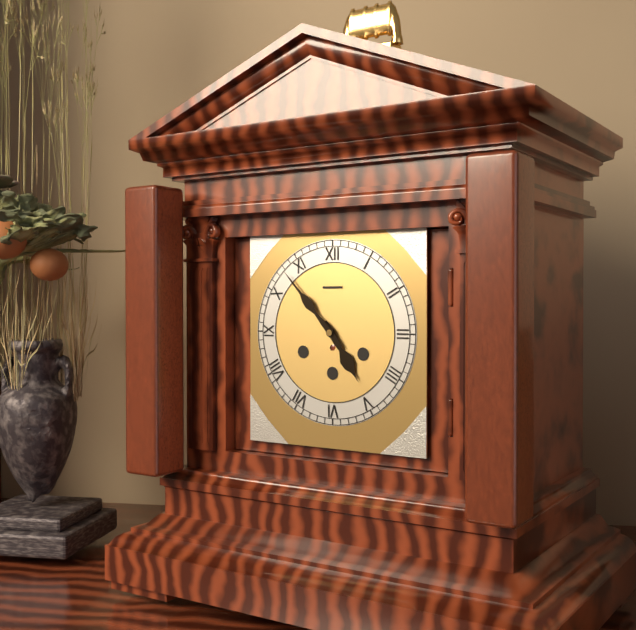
4.53
